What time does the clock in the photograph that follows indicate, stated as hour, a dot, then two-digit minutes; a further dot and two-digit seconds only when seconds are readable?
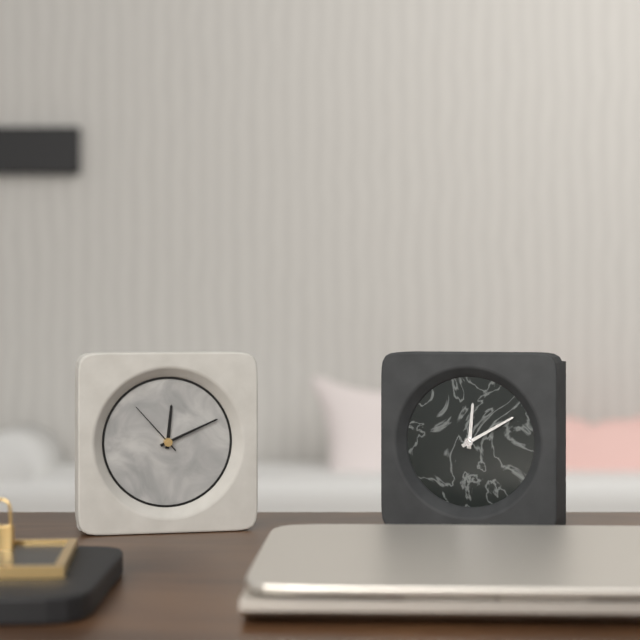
12.11.53
